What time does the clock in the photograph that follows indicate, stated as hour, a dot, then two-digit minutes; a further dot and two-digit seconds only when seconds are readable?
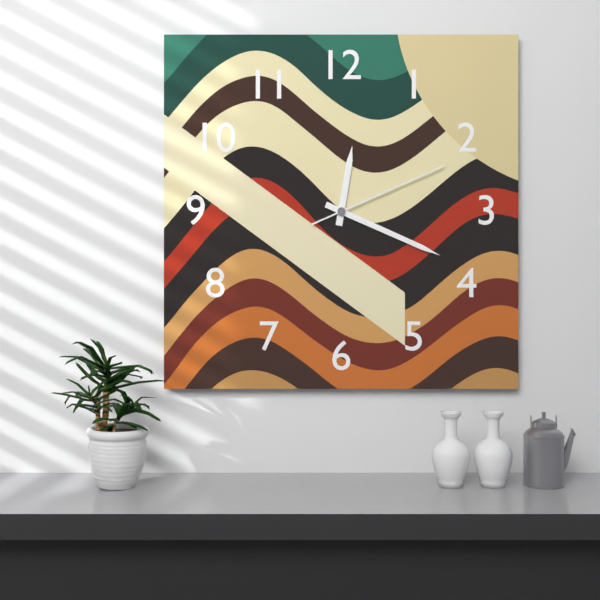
12.19.11
